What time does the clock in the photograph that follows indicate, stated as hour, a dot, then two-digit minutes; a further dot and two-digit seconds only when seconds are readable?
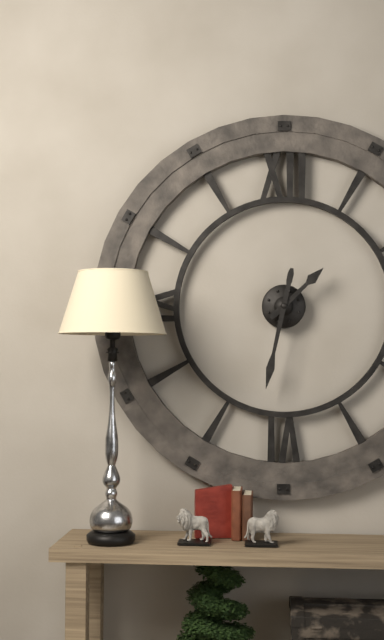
1.32
